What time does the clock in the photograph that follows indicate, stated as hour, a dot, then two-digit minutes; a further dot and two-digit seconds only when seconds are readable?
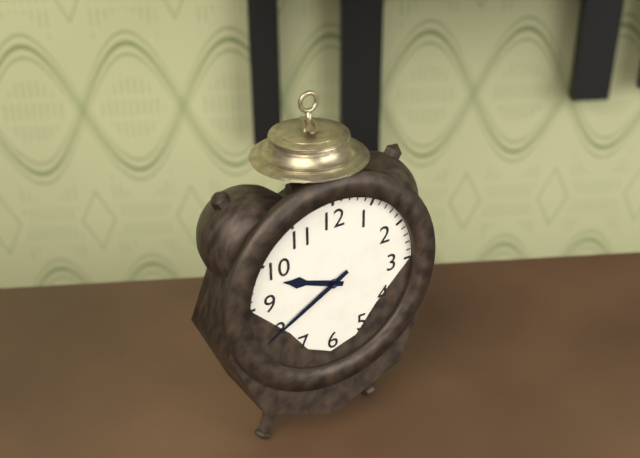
9.40
